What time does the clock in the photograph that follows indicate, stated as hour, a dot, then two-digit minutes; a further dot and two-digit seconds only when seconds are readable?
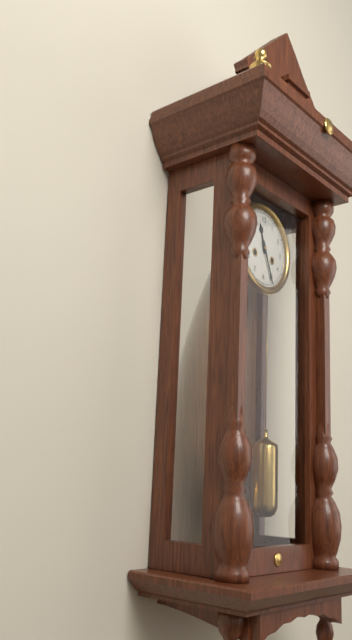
11.26
